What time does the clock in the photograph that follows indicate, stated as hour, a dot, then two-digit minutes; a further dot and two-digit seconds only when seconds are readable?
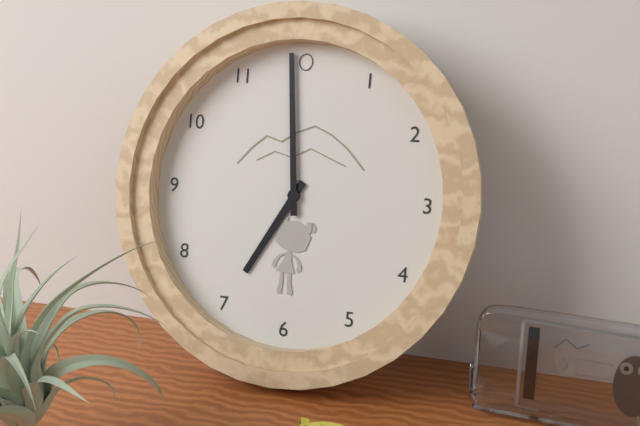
6.59
